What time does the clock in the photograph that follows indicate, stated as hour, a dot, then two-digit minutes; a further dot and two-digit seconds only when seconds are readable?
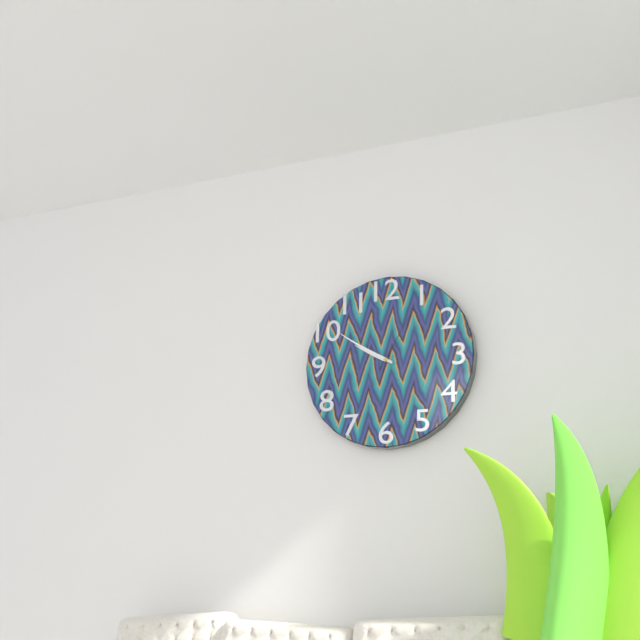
9.50.05
